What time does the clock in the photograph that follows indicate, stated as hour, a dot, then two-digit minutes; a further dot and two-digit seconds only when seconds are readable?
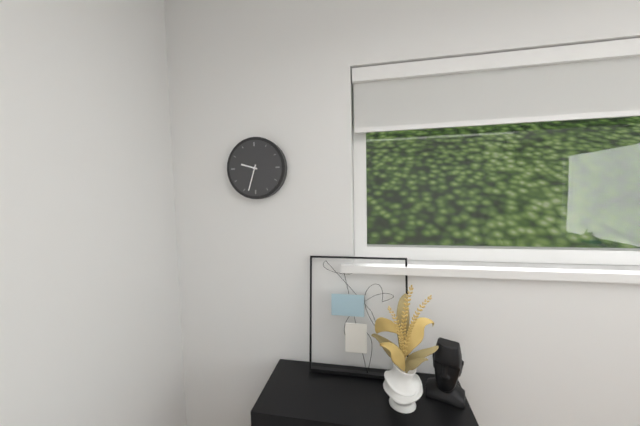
9.33
